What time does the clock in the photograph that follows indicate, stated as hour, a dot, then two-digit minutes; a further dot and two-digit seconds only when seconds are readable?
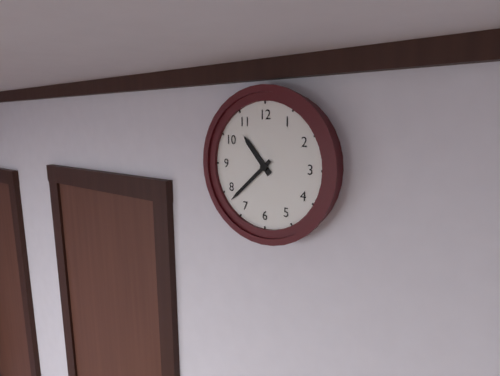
10.38
